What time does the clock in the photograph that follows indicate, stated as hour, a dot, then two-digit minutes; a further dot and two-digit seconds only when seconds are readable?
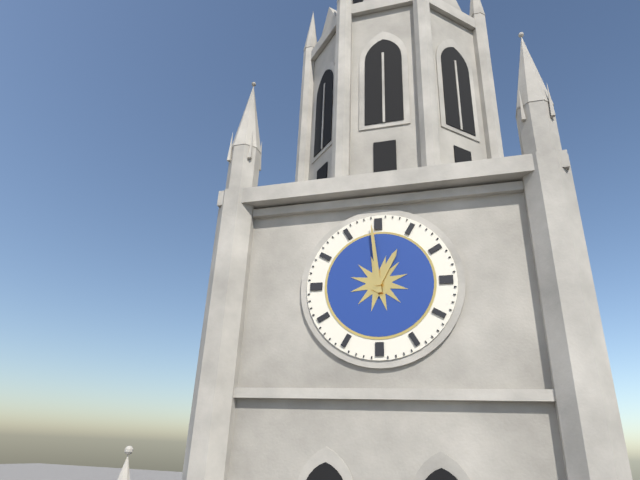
12.59
